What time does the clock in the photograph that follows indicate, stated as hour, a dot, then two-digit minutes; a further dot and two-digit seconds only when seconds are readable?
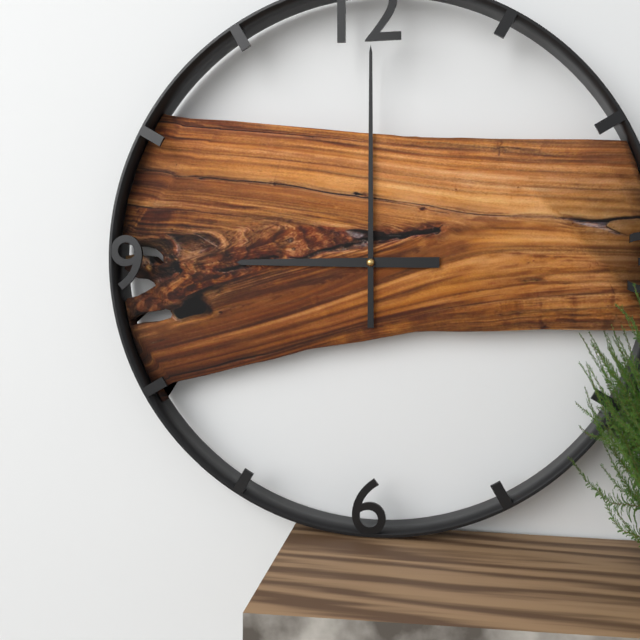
9.00
